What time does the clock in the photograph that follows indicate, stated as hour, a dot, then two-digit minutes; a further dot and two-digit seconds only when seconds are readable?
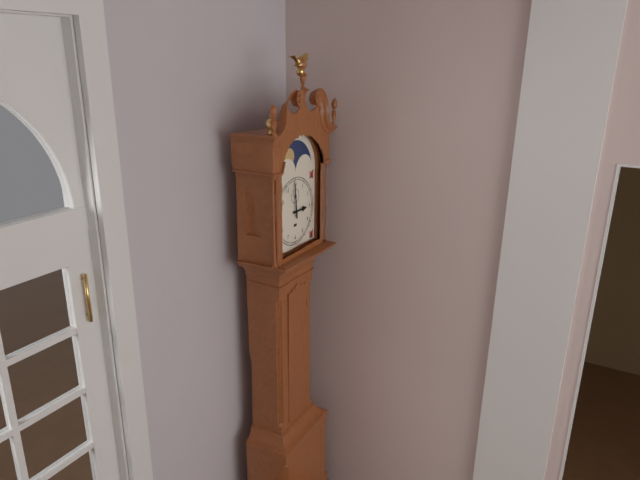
2.59
